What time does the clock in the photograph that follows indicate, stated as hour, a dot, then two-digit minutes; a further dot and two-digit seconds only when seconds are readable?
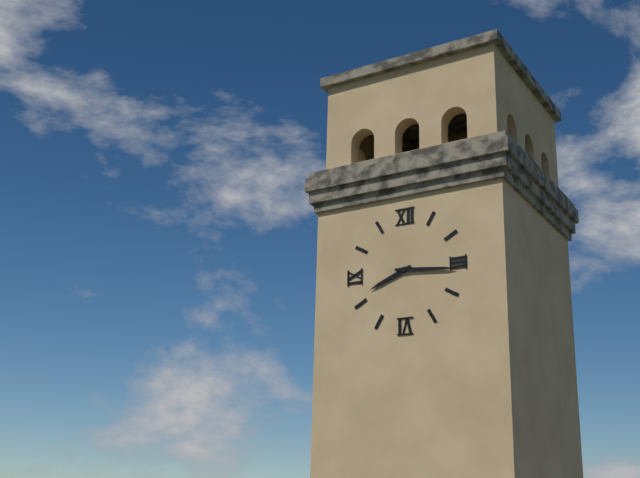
8.16
